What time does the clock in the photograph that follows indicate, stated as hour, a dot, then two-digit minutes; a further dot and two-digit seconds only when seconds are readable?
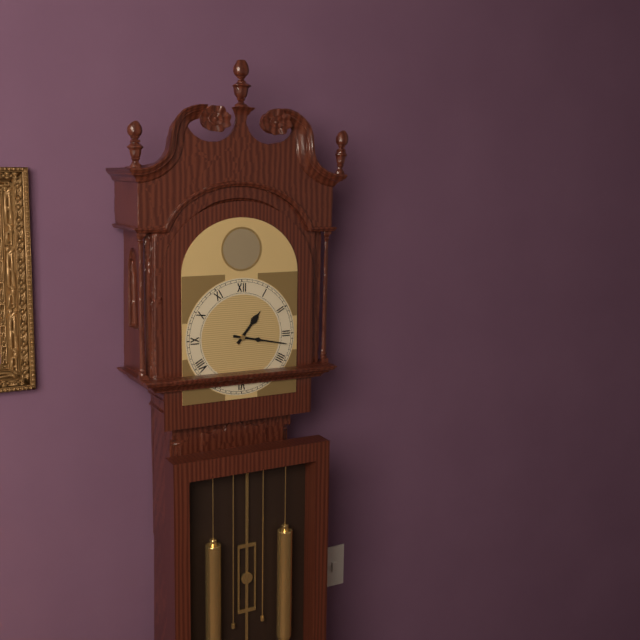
1.17
